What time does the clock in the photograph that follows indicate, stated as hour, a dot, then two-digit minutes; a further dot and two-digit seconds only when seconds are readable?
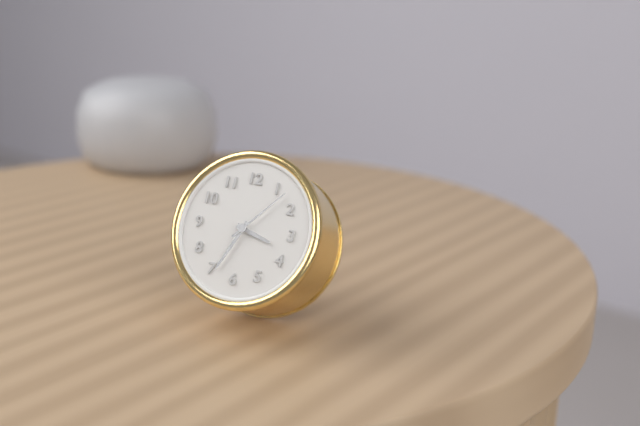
3.34.07
